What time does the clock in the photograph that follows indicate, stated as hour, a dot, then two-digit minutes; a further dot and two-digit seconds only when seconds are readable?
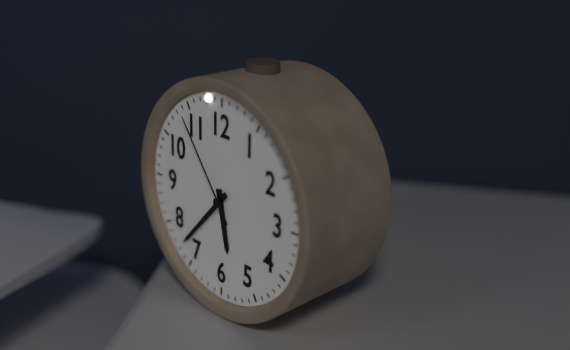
5.37.54
